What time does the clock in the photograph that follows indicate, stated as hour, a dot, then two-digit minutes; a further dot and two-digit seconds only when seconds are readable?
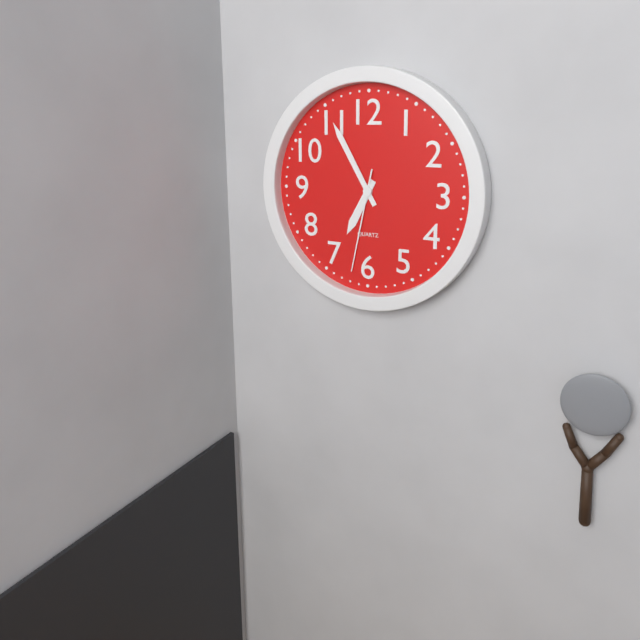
6.55.32
